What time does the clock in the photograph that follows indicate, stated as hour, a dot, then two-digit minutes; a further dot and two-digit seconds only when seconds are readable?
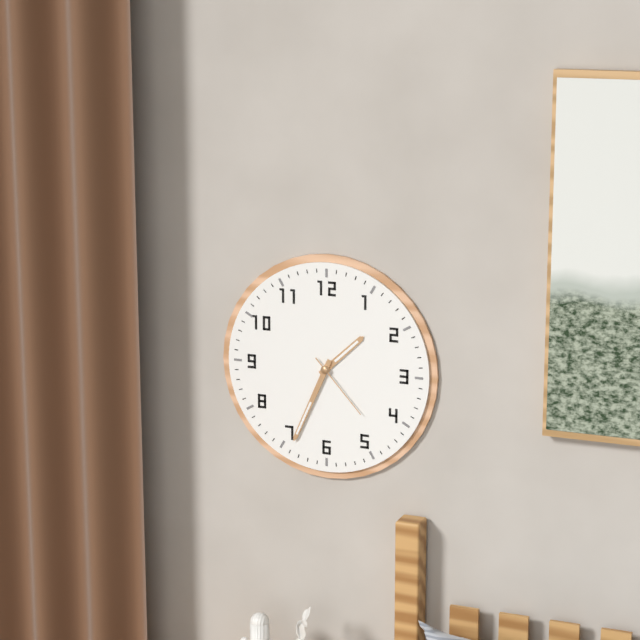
1.34.23
